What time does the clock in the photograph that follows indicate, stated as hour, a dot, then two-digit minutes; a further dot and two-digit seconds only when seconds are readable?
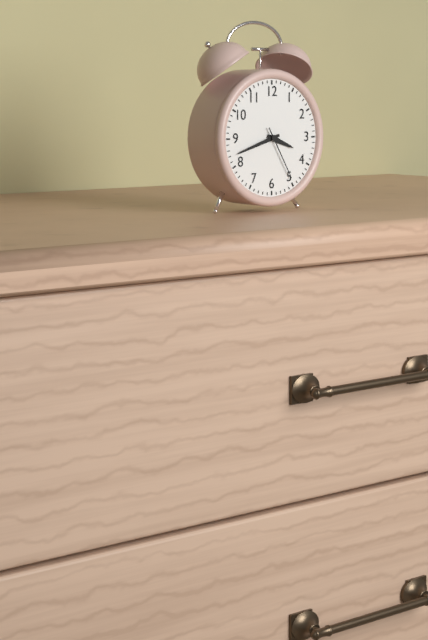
3.42.25
